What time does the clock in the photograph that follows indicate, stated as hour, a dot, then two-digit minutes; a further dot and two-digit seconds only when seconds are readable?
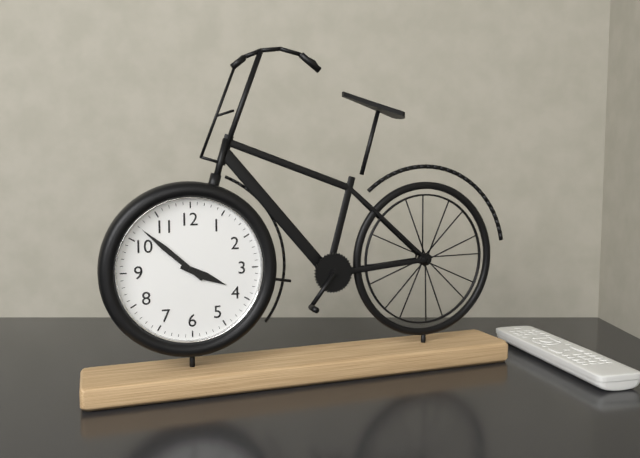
3.52
